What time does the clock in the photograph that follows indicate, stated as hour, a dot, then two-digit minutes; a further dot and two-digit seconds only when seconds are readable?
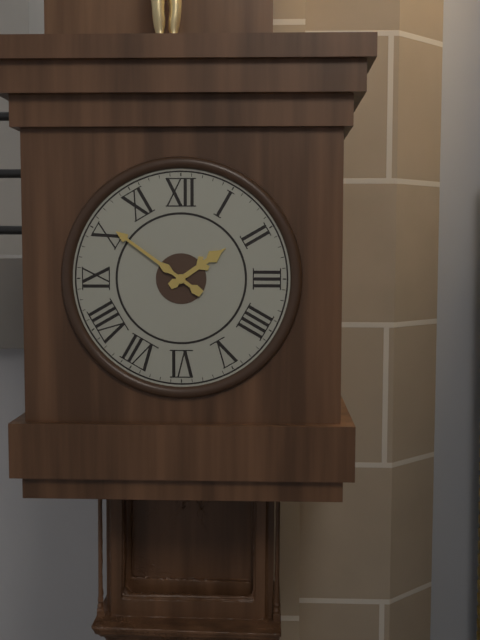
1.51
